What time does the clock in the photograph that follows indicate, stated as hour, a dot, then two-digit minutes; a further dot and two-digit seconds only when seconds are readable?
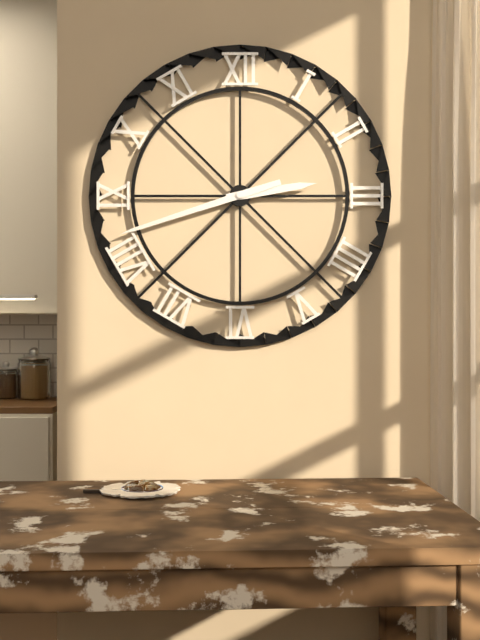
2.42
